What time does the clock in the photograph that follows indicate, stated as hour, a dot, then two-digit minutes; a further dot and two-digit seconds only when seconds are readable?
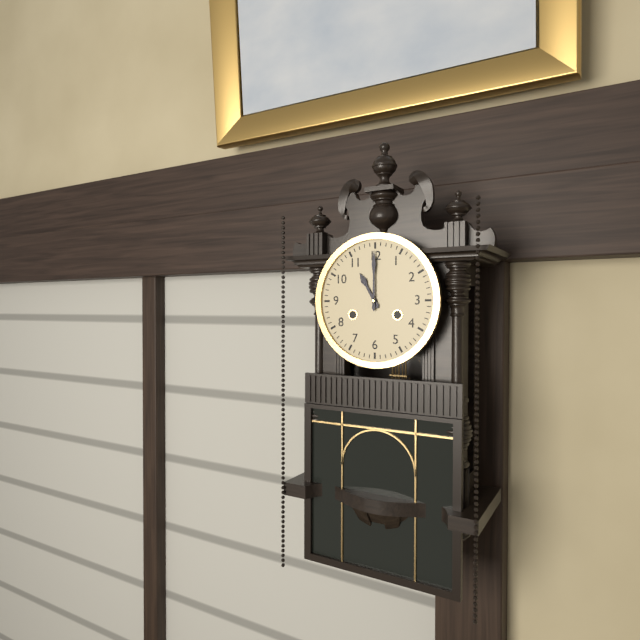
11.00
